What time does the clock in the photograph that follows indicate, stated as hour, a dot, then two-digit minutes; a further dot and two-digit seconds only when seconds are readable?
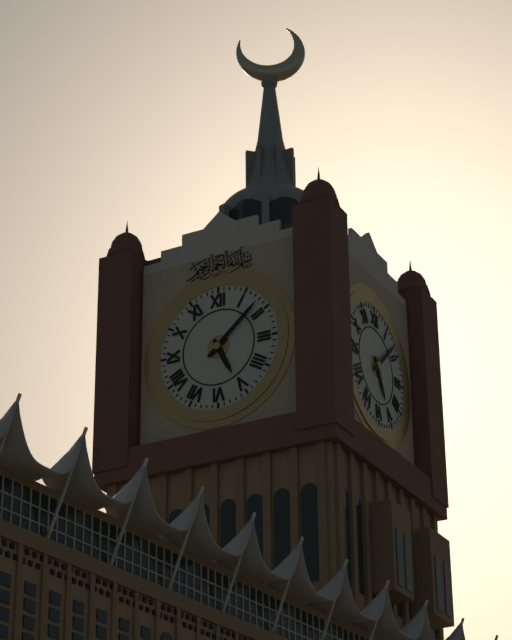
5.08
